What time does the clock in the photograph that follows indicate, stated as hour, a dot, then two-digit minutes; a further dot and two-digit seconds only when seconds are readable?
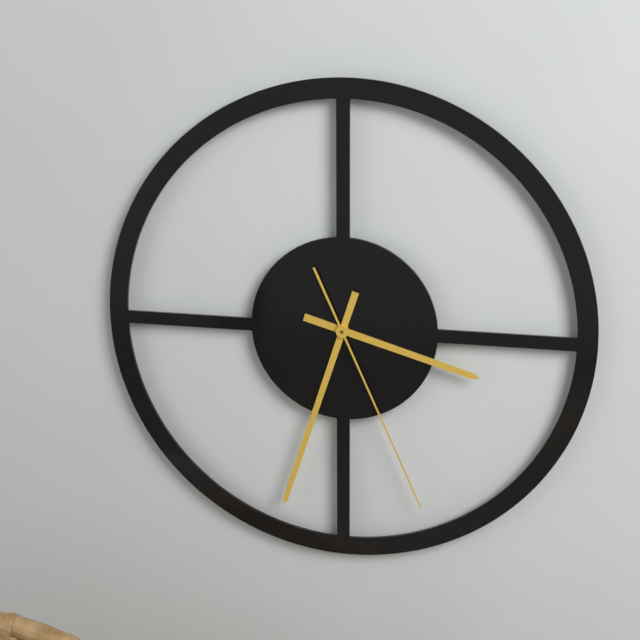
3.33.26
